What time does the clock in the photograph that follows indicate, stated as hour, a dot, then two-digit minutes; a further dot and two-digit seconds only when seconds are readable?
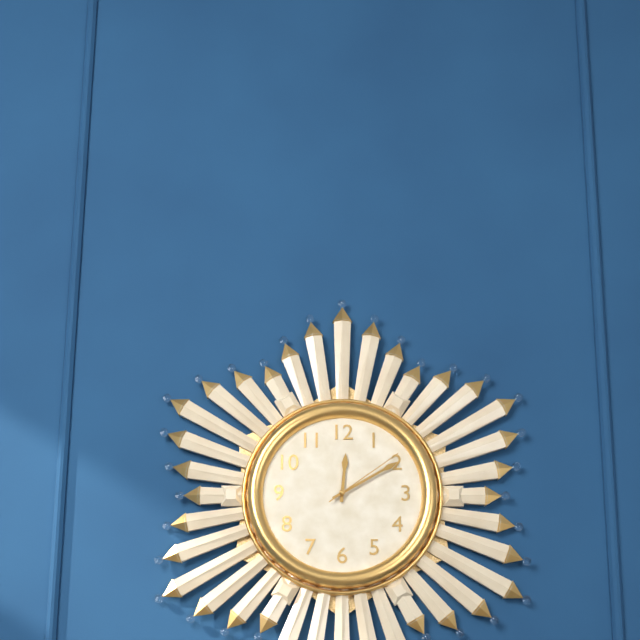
12.10.09
